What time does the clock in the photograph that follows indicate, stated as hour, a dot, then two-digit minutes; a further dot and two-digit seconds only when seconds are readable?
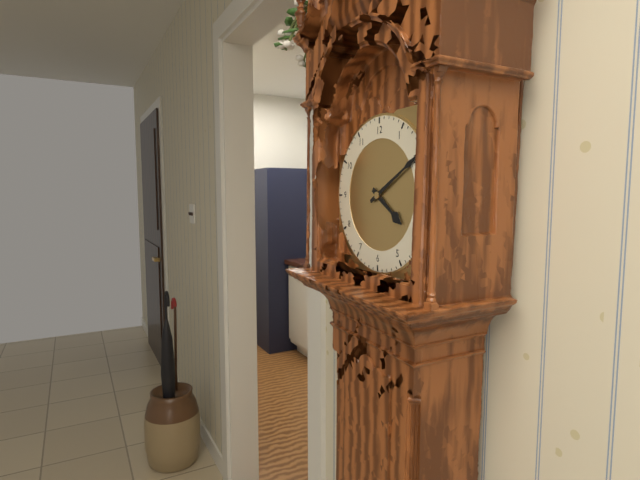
4.10
